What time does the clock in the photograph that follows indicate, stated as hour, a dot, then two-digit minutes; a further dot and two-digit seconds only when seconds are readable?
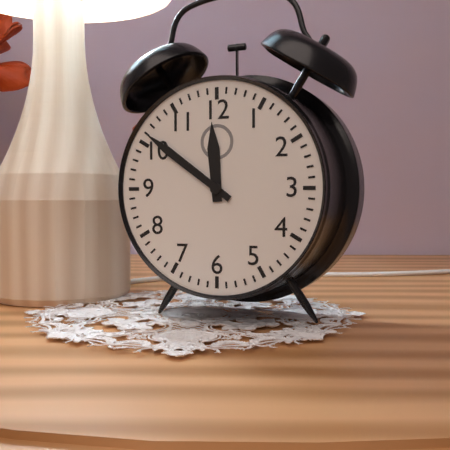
11.51
